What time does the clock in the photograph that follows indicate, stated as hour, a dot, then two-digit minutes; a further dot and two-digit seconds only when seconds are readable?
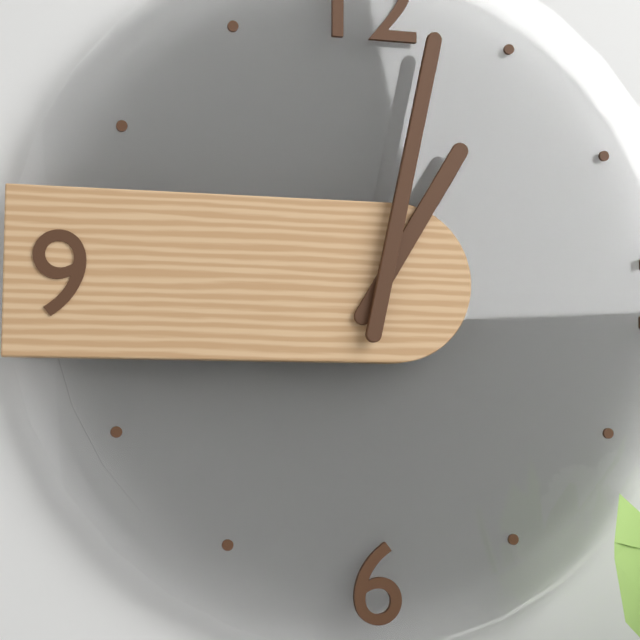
1.02
